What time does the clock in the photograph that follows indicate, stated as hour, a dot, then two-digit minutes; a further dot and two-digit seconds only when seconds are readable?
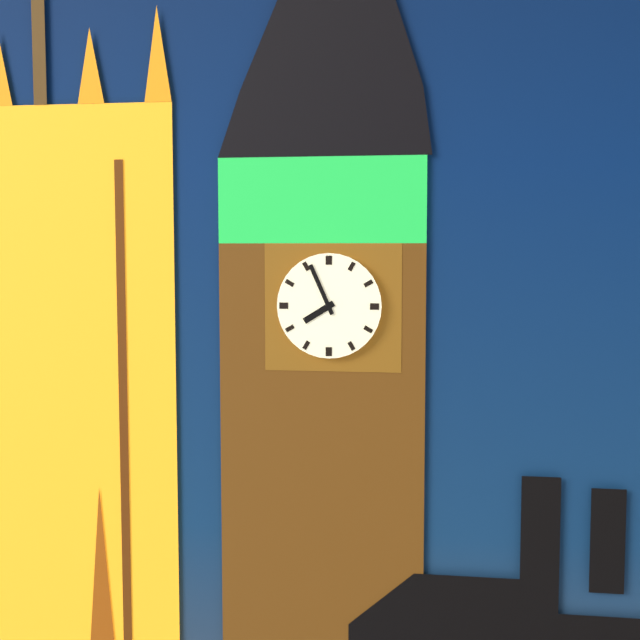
7.56
